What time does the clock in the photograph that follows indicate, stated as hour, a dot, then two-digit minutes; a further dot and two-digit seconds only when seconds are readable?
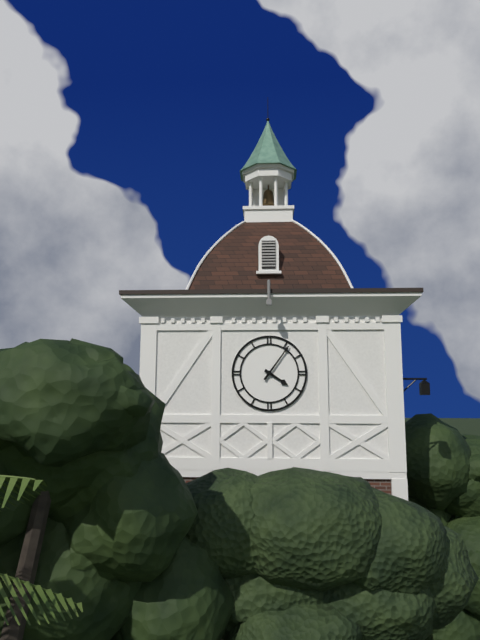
4.06
